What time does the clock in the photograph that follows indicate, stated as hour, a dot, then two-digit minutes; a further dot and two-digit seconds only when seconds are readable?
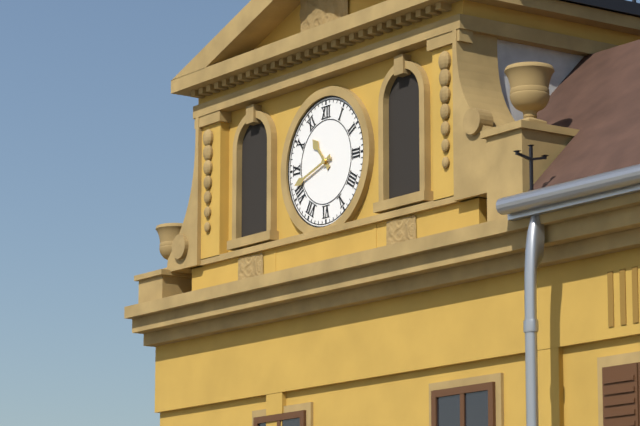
10.42
